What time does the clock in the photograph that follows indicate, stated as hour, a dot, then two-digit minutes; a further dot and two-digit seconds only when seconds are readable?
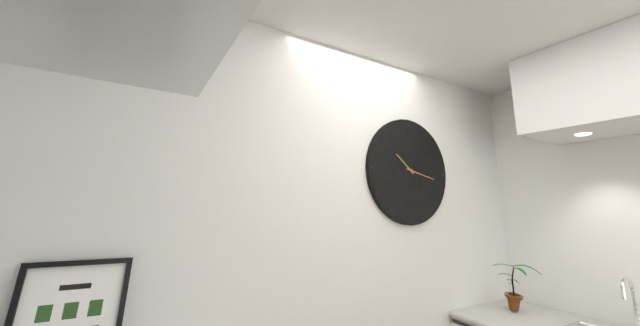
10.17
